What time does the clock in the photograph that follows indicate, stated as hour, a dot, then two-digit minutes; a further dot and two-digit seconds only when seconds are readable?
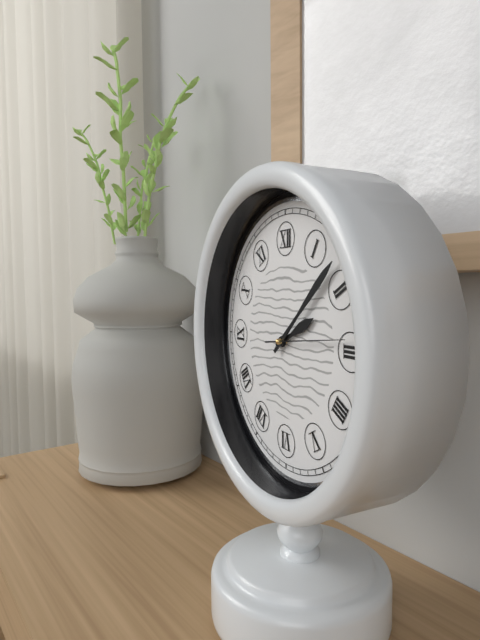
2.08.14
